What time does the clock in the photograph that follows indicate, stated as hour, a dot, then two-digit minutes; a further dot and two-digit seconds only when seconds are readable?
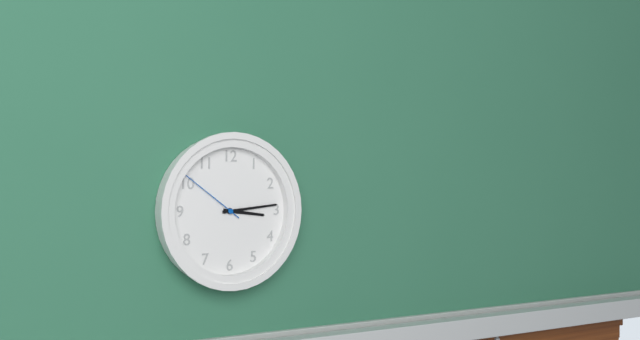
3.14.51
